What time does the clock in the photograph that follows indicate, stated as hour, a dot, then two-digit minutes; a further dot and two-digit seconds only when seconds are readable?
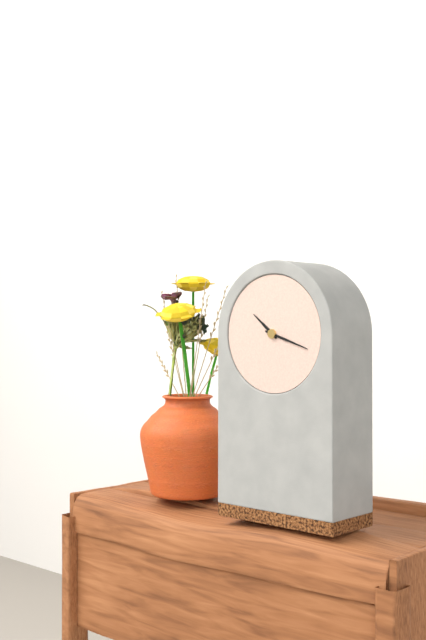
10.18
